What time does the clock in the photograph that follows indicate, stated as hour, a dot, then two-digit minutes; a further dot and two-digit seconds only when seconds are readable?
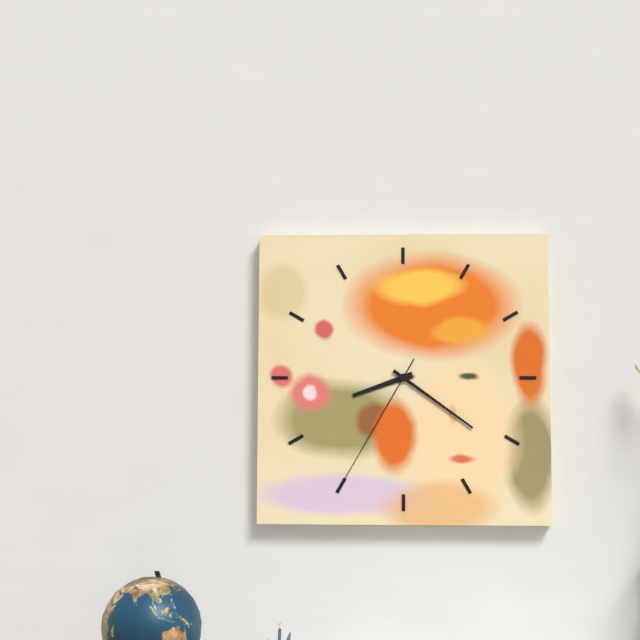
8.21.35
